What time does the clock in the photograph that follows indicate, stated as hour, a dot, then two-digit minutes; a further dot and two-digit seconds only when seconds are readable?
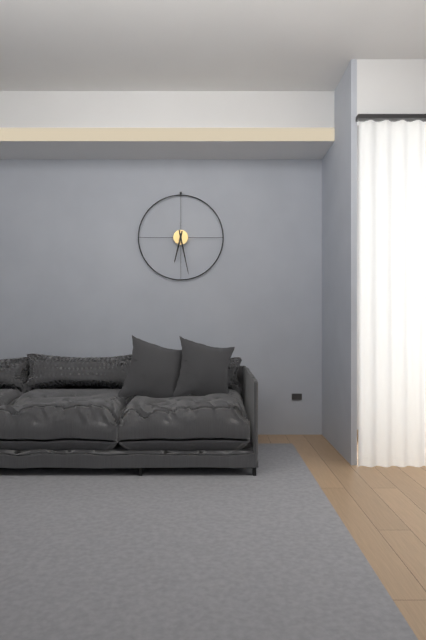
6.28
